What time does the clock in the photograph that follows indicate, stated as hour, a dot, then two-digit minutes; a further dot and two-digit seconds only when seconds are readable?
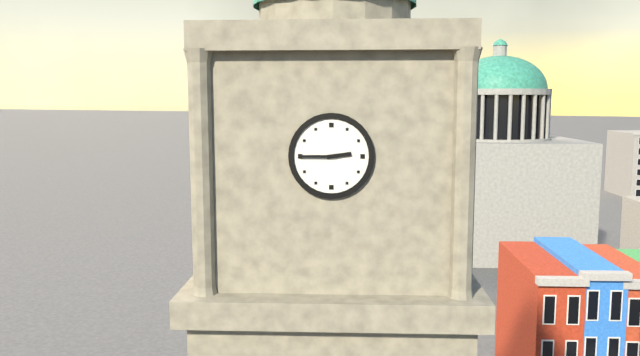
2.45
